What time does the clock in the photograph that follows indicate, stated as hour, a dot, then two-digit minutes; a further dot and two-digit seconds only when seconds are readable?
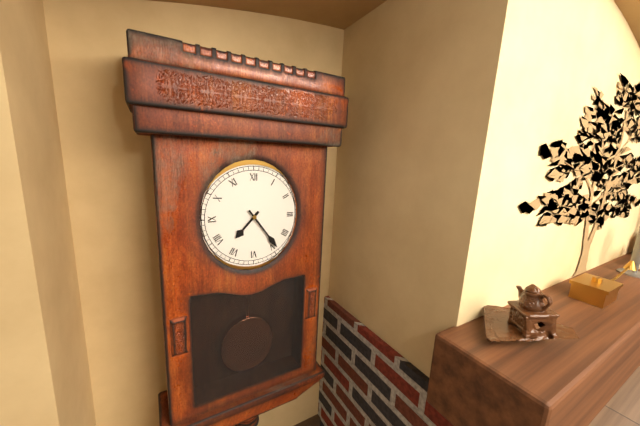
7.24
